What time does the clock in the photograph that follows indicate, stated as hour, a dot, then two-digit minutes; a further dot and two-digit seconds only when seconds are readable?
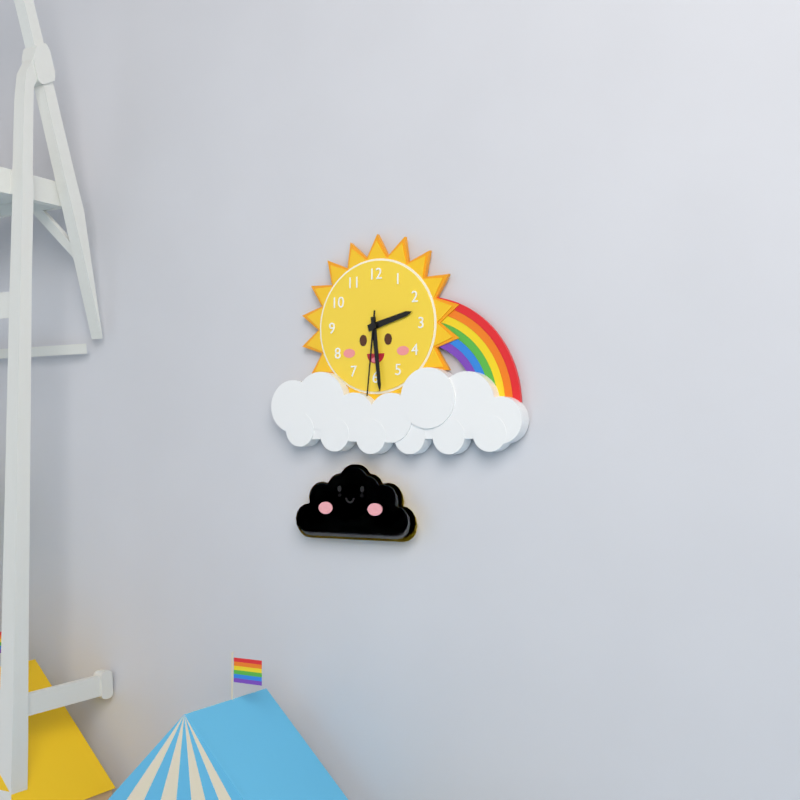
2.29.31
